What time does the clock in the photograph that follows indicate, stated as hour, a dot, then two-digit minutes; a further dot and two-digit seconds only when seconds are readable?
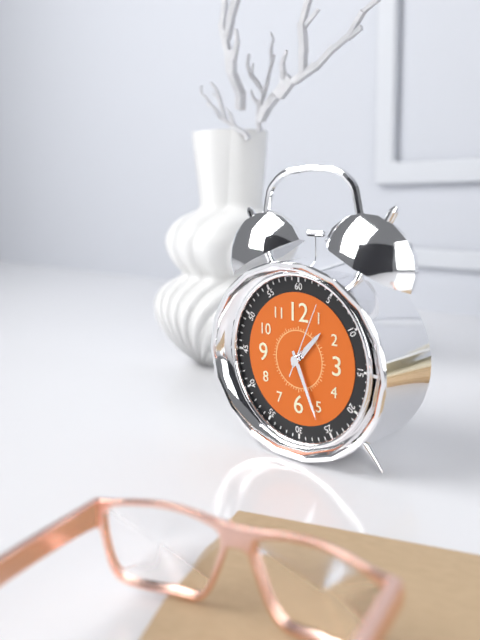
1.26.04
